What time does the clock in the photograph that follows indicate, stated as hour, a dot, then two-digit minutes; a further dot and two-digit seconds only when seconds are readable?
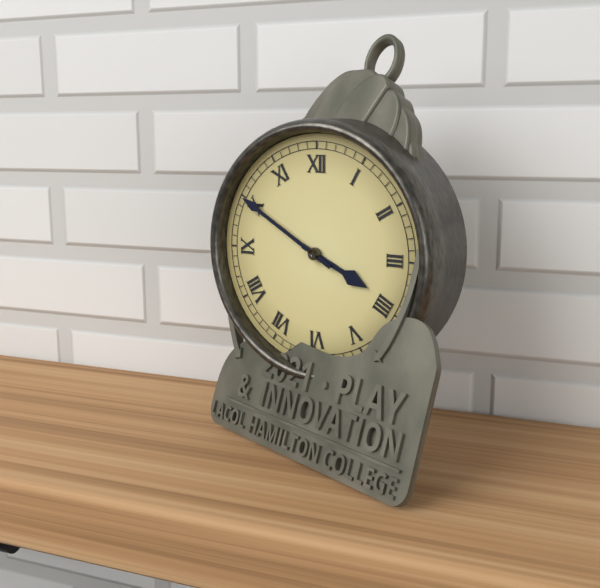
3.50
